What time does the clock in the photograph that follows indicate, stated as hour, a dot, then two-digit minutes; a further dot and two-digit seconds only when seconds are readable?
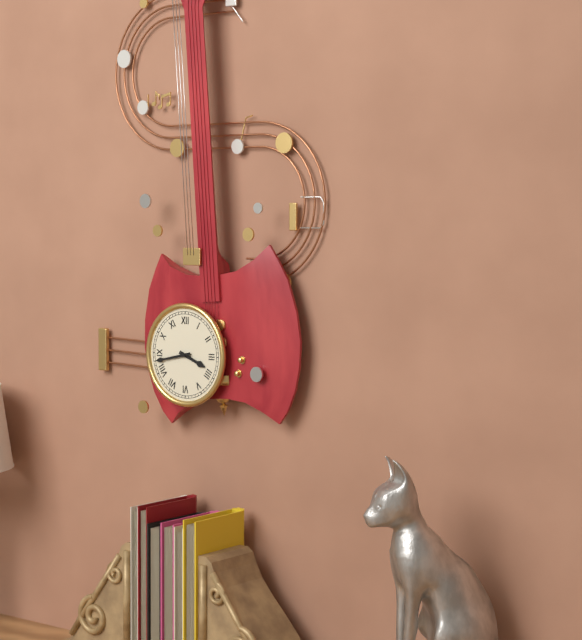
3.43
